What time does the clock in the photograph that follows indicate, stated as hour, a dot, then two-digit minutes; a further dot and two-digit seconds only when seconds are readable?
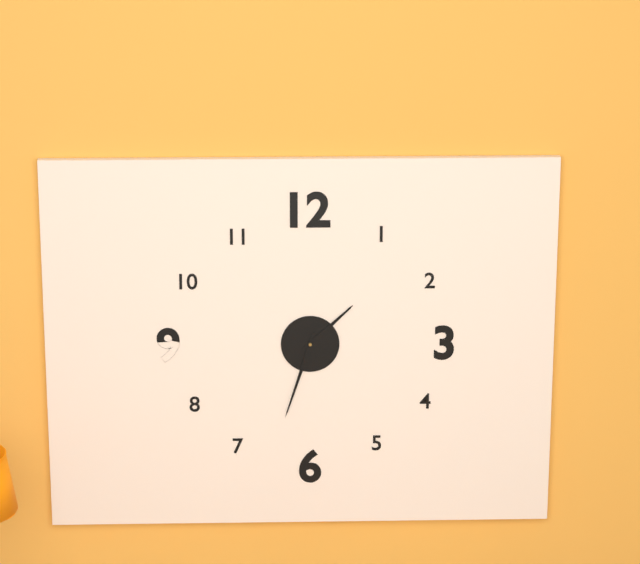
1.33
